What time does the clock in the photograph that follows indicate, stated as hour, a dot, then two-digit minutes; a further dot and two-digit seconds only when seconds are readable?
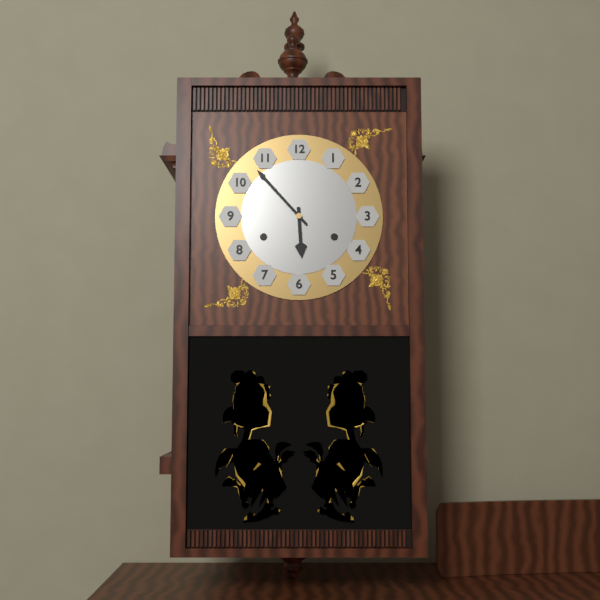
5.53
